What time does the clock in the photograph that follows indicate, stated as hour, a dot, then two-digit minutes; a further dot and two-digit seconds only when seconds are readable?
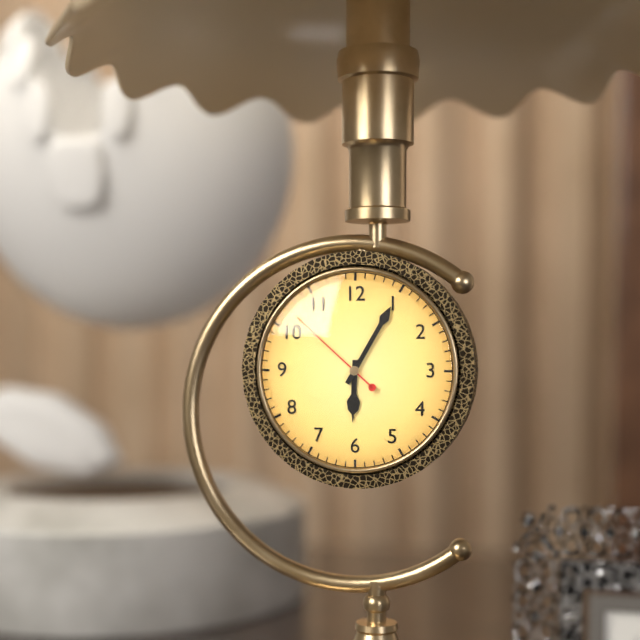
6.05.52
